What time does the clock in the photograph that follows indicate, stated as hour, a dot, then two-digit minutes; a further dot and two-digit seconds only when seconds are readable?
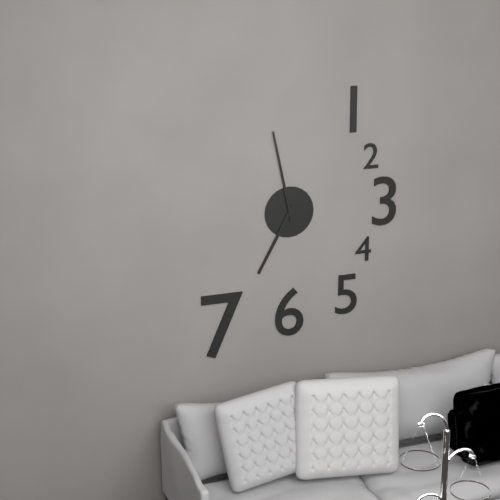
6.58
